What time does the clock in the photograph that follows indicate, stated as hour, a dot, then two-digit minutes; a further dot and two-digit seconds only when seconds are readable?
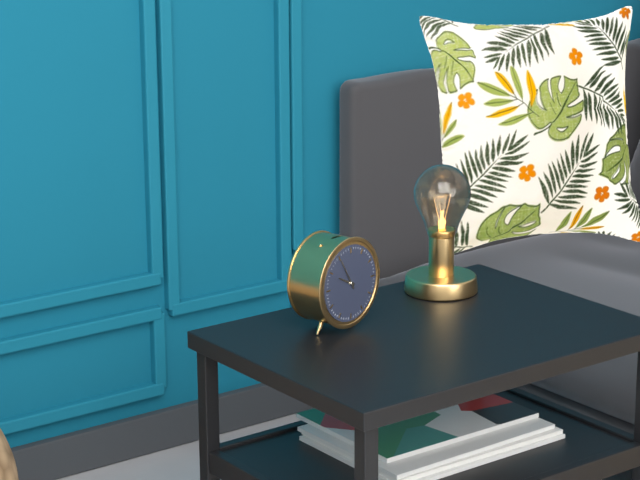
9.55
